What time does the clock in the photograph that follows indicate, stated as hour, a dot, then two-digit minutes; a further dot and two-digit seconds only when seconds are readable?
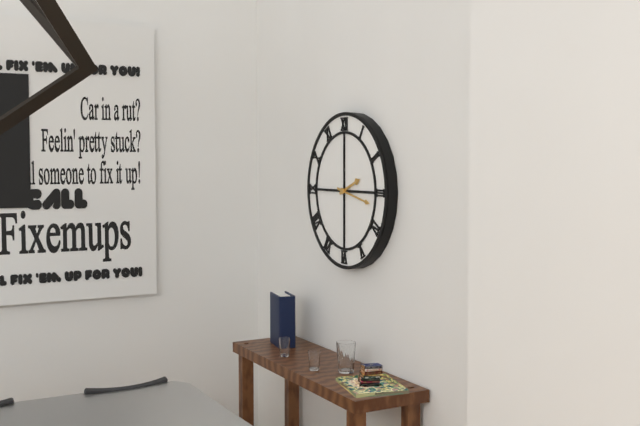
2.17
